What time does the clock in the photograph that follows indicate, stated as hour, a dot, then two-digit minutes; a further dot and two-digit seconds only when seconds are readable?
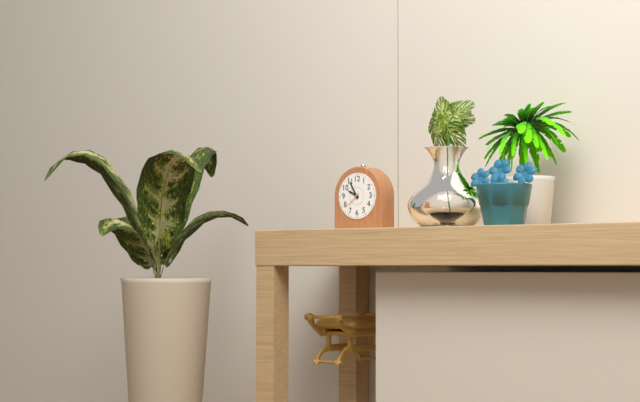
9.55
